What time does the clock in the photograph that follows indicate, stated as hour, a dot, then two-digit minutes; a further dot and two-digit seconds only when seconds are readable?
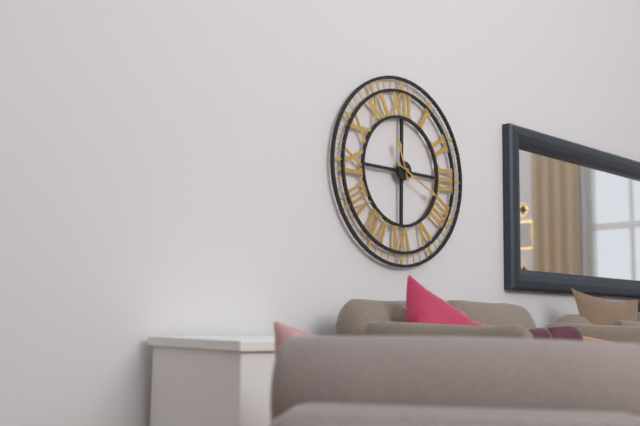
11.19
